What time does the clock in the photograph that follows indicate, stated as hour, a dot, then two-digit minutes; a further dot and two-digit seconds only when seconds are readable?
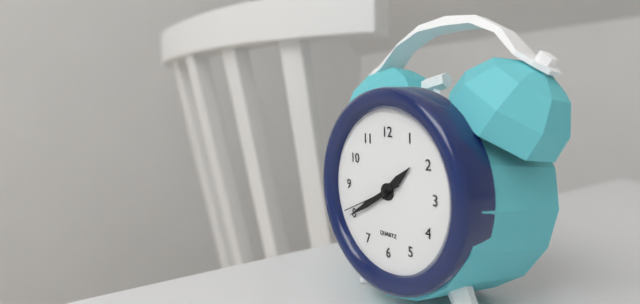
1.40.41
